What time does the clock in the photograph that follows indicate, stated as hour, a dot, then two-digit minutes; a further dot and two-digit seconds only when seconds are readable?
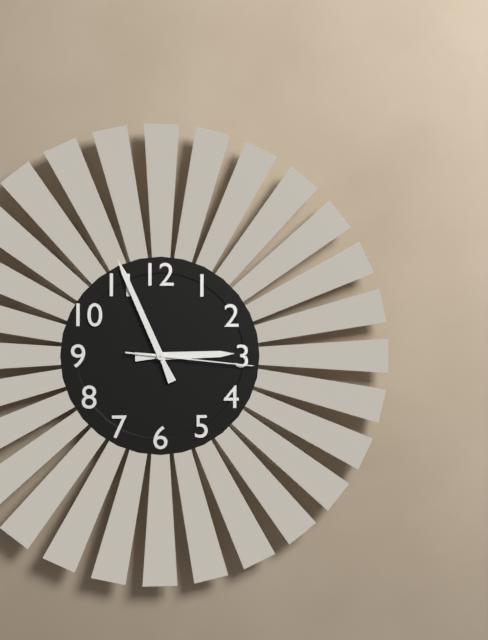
2.56.16
